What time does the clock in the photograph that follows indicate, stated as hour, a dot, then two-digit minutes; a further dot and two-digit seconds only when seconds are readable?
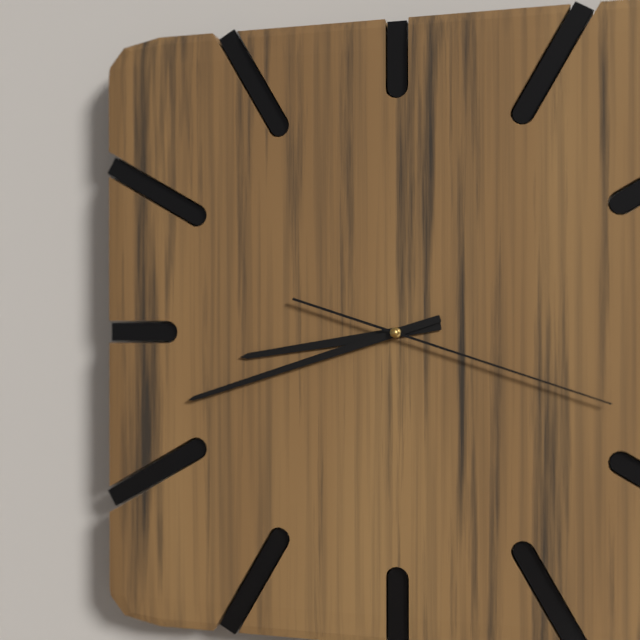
8.42.18
